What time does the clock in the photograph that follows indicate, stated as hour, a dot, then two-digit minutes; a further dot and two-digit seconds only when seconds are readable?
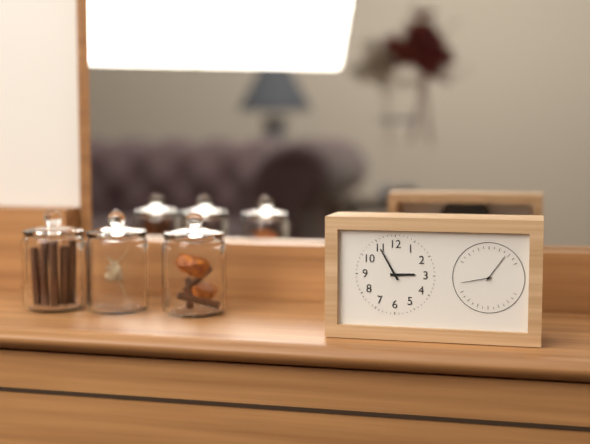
2.55
